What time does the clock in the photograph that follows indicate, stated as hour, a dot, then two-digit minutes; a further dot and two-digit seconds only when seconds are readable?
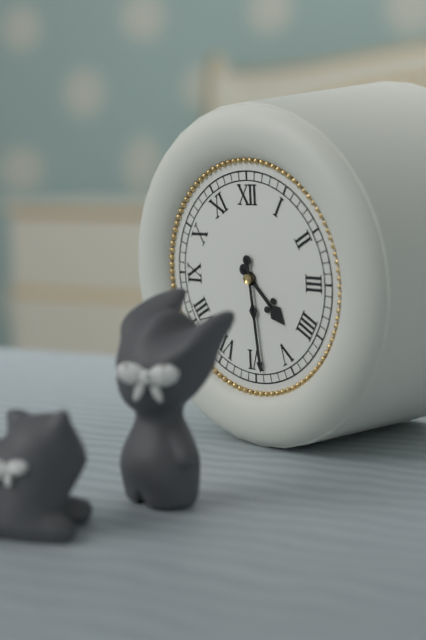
4.29
